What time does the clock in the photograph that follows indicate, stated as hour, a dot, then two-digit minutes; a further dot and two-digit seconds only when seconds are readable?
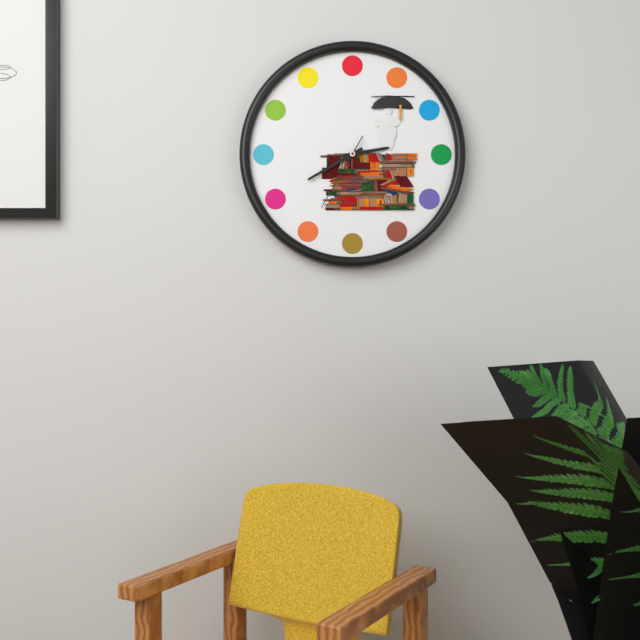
2.40.35
